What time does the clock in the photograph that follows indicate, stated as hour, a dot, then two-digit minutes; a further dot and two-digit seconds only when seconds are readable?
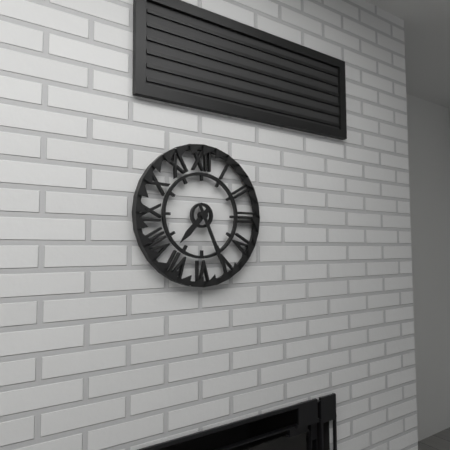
7.26
